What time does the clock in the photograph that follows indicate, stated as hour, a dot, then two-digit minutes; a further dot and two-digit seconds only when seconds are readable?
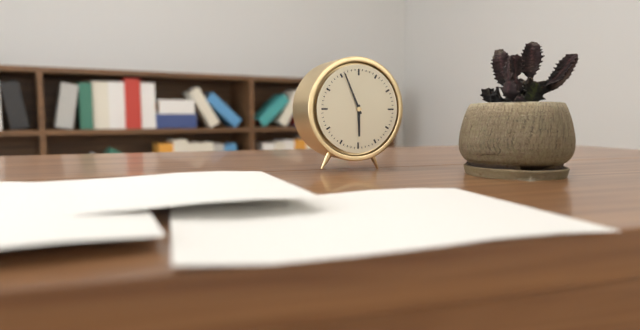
5.56
